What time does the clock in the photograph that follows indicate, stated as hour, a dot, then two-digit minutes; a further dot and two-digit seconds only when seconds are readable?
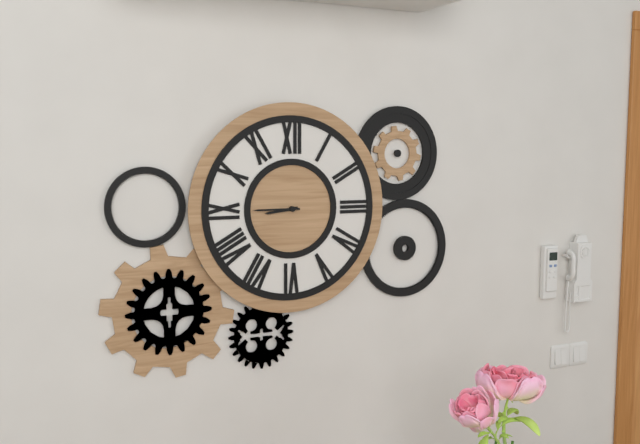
8.45
